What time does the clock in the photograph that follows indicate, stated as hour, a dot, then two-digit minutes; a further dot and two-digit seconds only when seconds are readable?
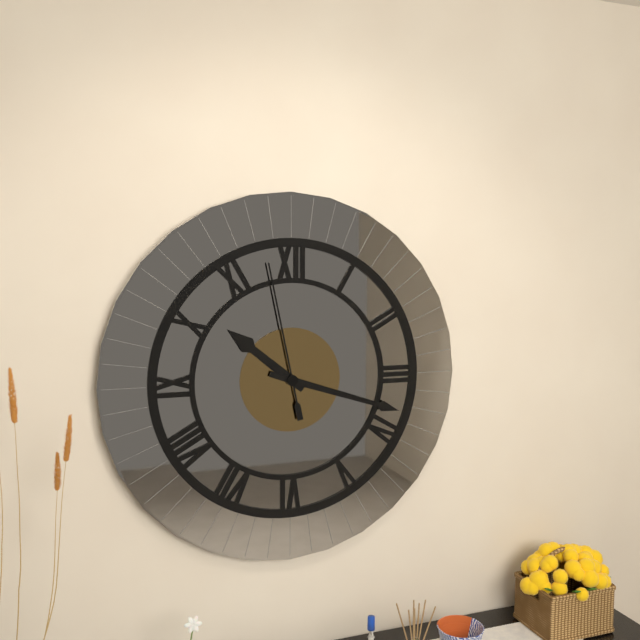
10.18.58
